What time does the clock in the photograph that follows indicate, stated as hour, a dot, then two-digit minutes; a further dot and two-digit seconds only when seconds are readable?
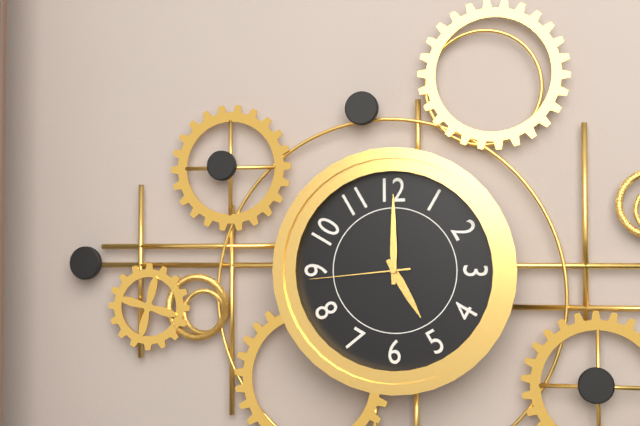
5.00.44
